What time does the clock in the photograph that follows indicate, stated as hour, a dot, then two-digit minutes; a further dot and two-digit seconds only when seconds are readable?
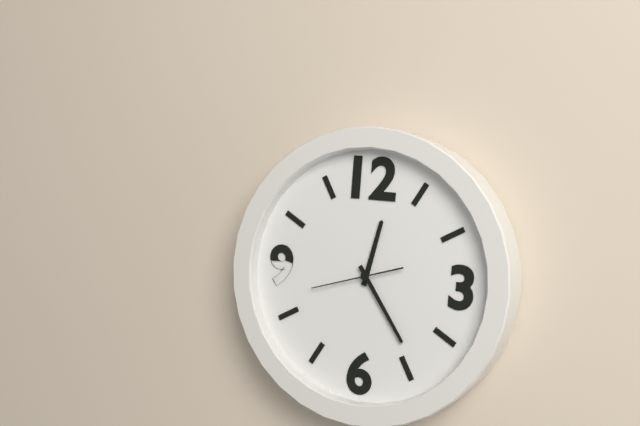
12.24.42
